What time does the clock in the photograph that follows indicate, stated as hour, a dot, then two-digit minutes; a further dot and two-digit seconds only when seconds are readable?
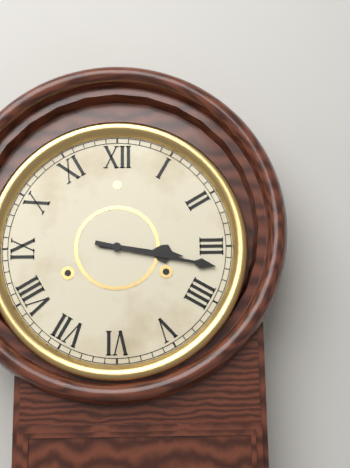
3.17
